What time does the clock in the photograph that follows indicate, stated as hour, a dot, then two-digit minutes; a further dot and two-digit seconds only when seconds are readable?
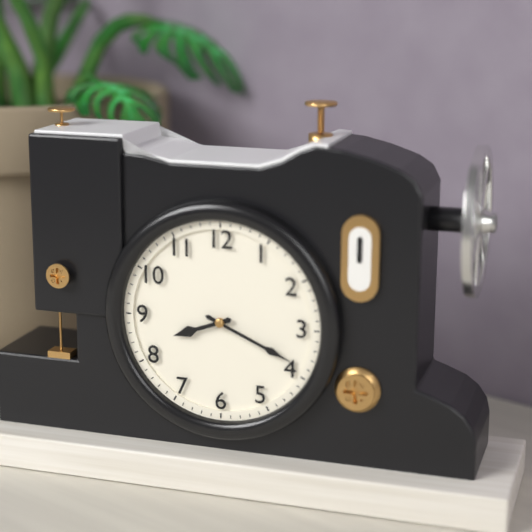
8.19
